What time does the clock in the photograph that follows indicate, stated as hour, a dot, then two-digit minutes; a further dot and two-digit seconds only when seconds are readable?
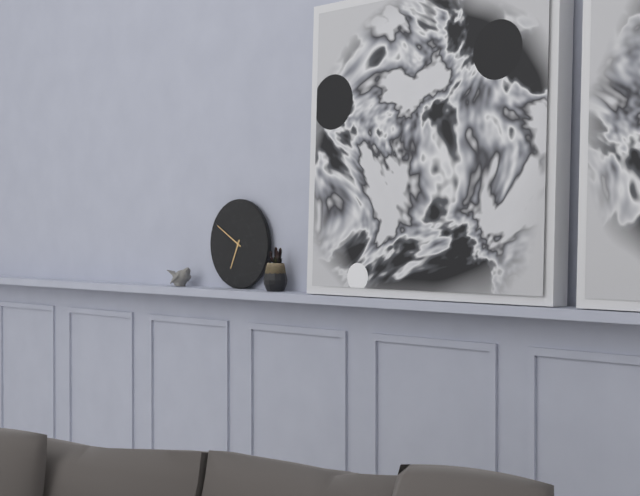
6.50
